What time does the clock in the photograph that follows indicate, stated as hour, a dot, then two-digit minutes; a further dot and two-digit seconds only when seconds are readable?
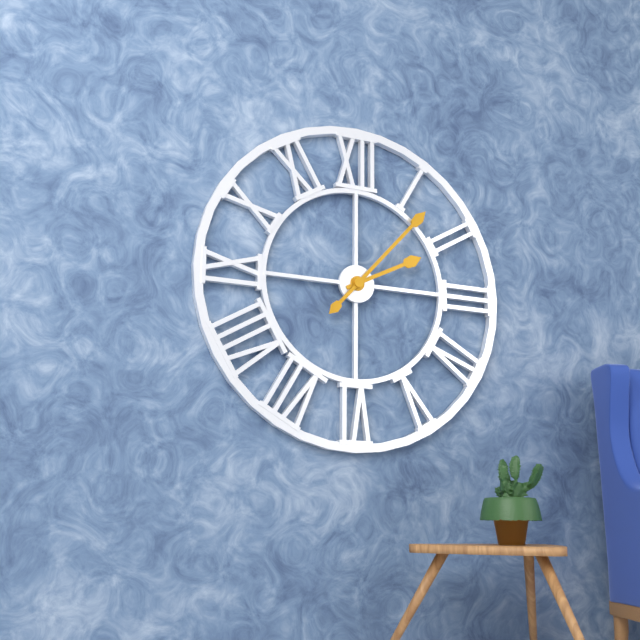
2.07
